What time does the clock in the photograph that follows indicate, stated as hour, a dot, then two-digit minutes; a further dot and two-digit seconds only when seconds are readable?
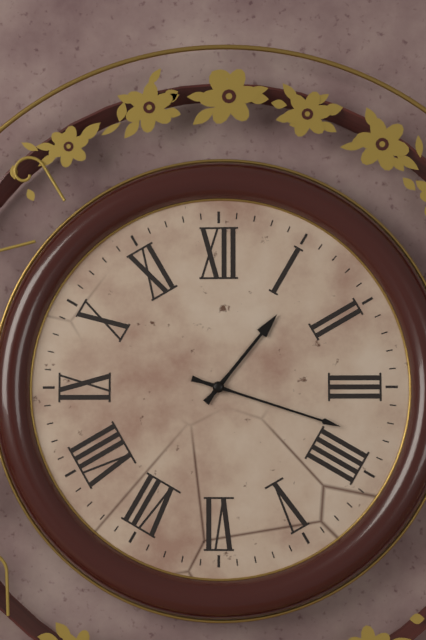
1.18
